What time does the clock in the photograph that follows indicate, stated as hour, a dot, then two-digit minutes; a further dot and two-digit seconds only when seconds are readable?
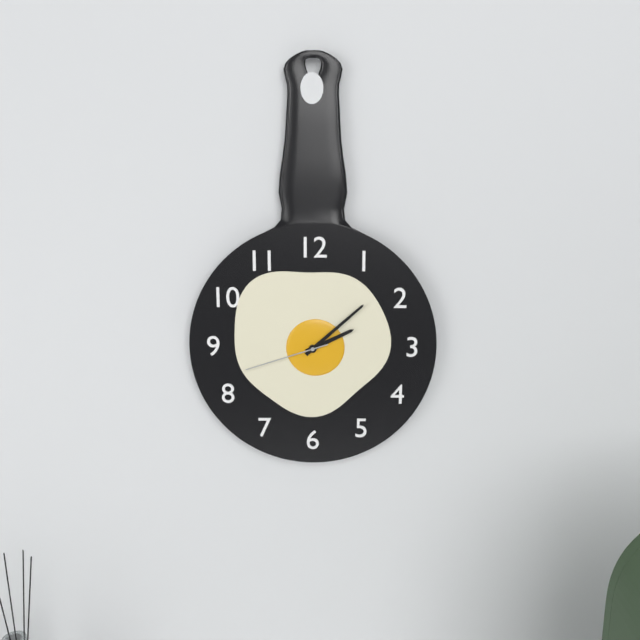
2.08.42
